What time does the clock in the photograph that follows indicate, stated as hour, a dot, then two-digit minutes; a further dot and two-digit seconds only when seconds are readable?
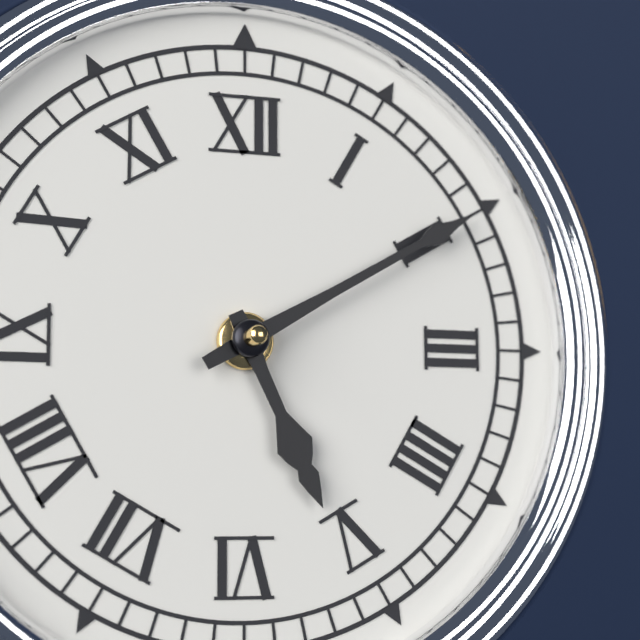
5.10
